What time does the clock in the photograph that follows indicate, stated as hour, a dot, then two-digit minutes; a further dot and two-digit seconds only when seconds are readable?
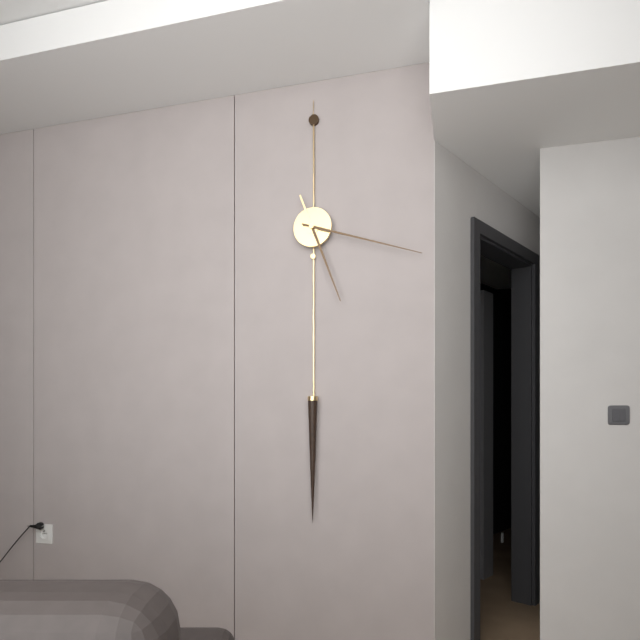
5.18
